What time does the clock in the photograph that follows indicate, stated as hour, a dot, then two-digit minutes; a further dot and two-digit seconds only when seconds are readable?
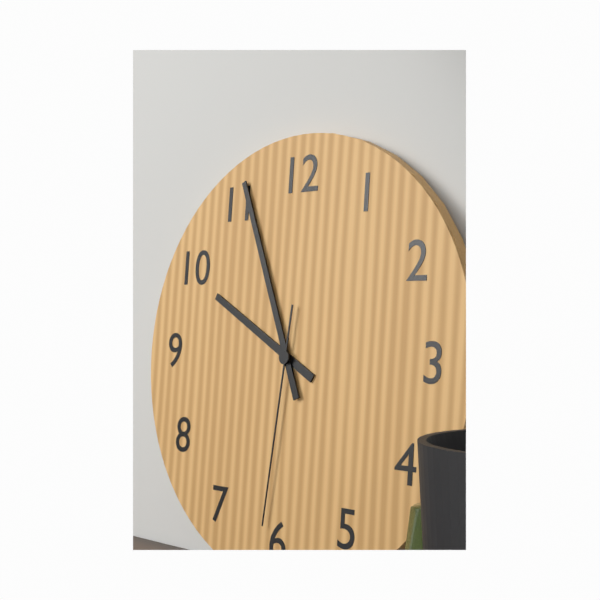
9.56.31
